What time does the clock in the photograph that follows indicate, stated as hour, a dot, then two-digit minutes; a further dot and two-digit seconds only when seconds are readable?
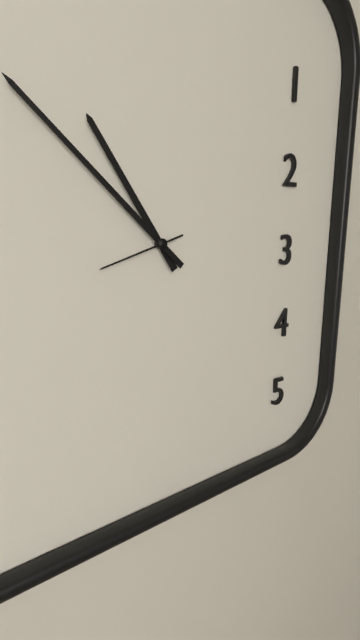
10.52.42
